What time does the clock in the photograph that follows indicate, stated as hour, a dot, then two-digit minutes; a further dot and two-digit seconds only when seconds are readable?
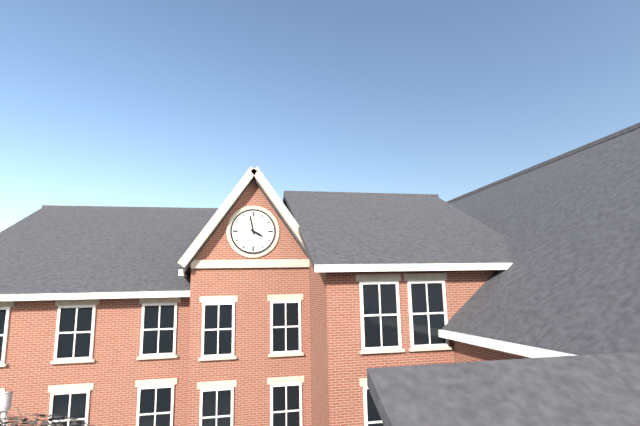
3.58
